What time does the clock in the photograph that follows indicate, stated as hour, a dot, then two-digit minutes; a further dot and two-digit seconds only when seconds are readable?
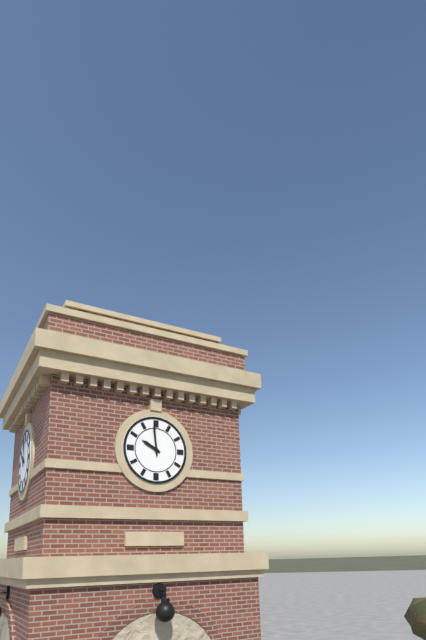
9.59
